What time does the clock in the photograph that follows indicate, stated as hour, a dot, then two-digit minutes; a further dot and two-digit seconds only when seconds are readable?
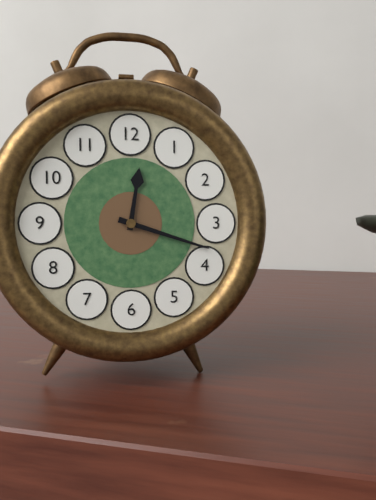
12.18
